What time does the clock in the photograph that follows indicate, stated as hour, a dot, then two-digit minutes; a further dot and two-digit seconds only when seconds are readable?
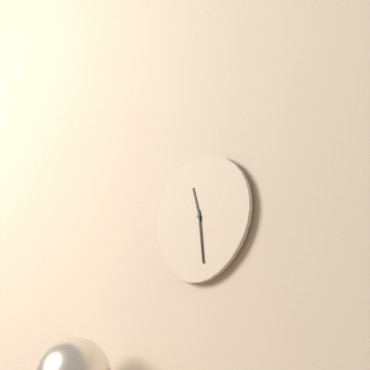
11.29
